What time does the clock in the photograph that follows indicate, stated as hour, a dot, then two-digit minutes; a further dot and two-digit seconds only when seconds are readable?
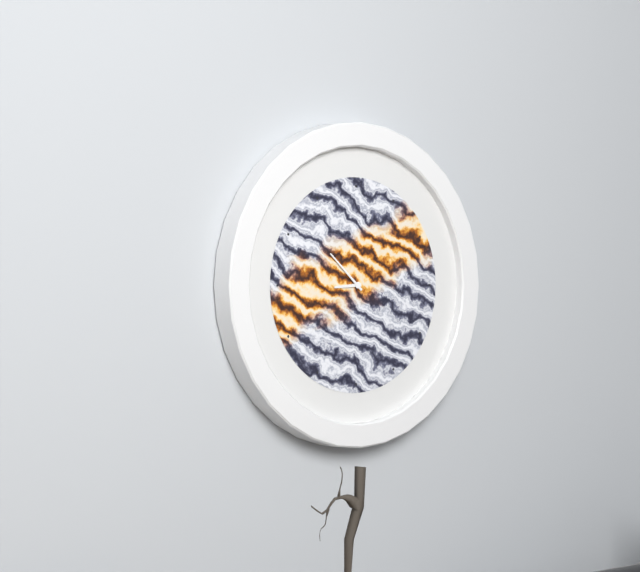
8.52
